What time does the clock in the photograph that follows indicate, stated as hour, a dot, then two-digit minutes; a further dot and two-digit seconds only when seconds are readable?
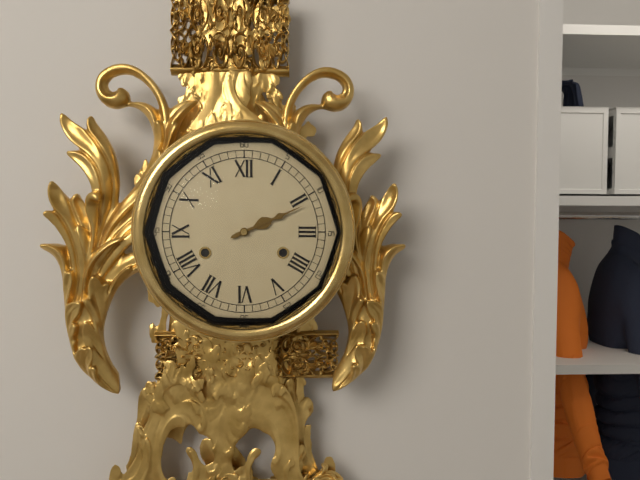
2.11
